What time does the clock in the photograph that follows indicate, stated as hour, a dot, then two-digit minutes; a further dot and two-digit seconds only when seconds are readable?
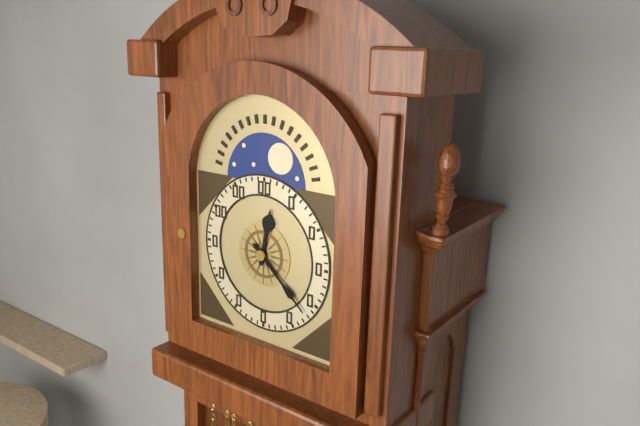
12.22
